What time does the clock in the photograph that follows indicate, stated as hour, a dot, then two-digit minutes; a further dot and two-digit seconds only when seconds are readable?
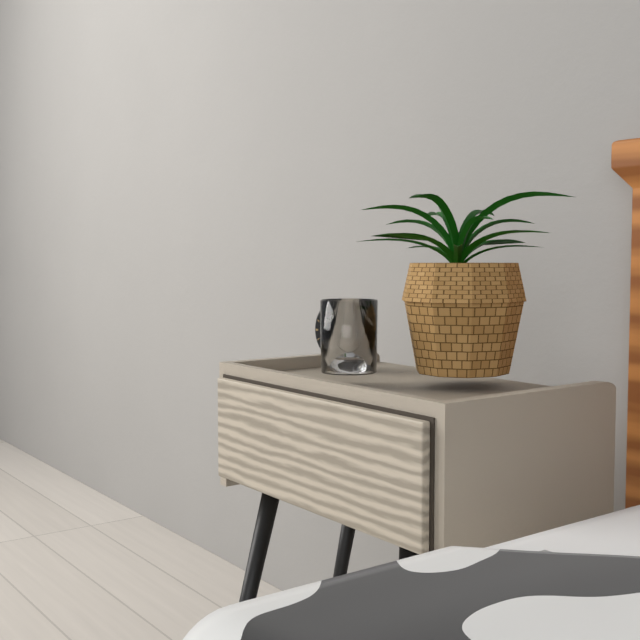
5.25
